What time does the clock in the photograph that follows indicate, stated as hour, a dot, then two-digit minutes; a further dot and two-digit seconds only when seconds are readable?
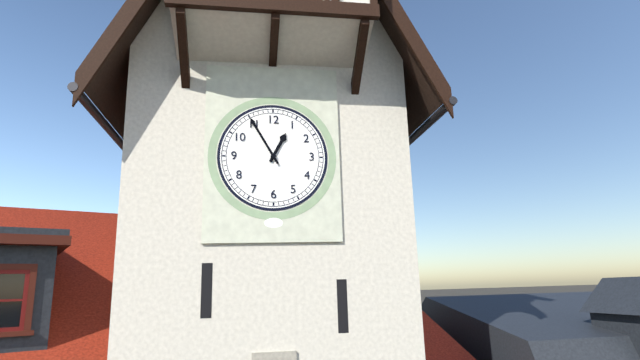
12.55
